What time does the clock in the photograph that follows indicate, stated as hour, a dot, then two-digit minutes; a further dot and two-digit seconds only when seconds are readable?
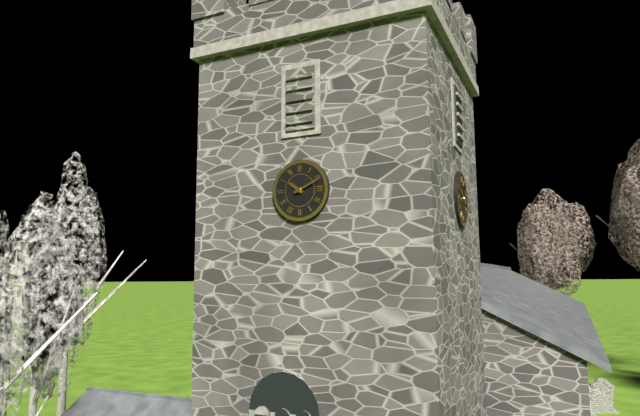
10.11
